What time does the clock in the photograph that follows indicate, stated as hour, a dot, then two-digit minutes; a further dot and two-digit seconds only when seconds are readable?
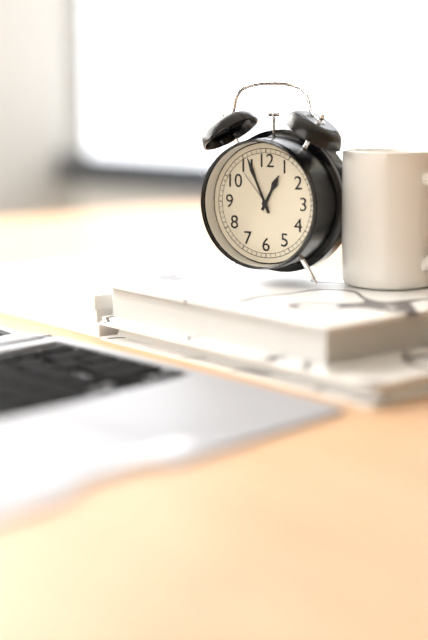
12.56
